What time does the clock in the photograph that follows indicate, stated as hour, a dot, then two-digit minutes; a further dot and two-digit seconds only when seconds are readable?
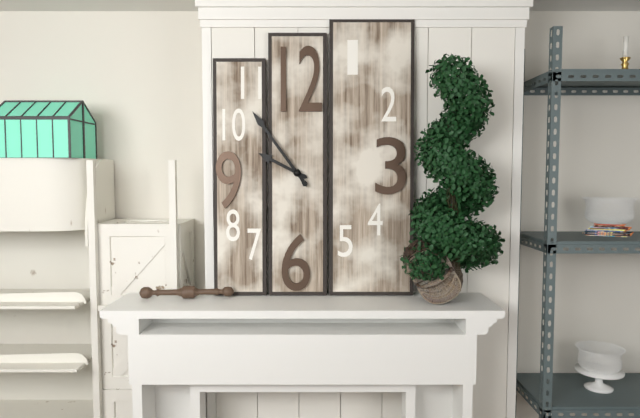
9.54
